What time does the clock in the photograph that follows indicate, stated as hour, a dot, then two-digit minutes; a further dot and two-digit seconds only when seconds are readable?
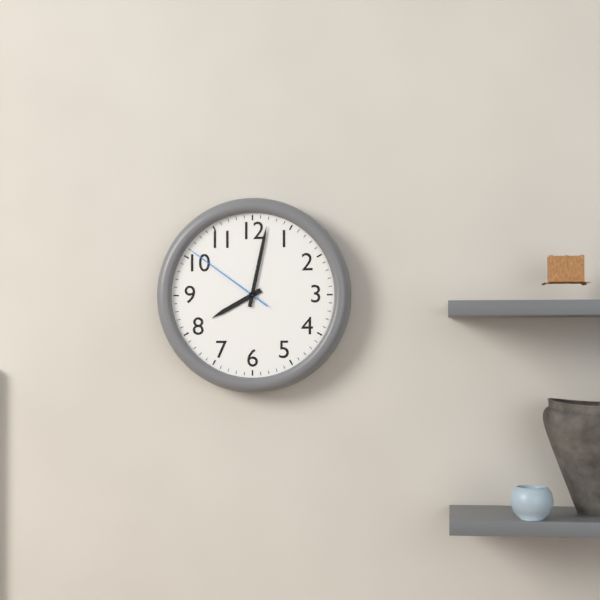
8.02.51
